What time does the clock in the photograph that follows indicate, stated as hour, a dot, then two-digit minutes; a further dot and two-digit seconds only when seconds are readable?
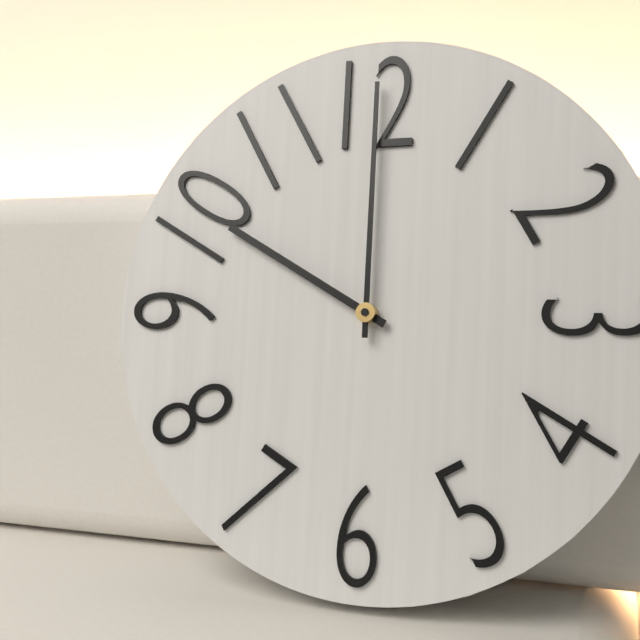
10.00
